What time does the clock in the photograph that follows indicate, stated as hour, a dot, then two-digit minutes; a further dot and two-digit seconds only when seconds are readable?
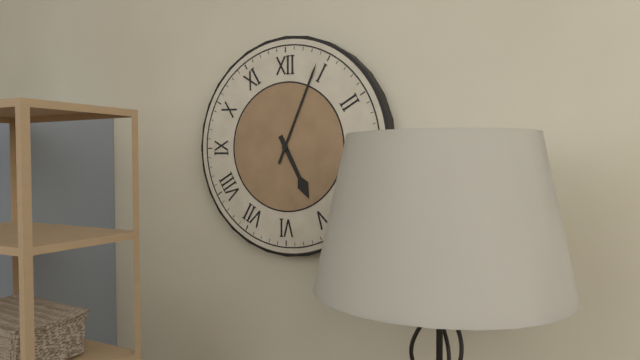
5.04
